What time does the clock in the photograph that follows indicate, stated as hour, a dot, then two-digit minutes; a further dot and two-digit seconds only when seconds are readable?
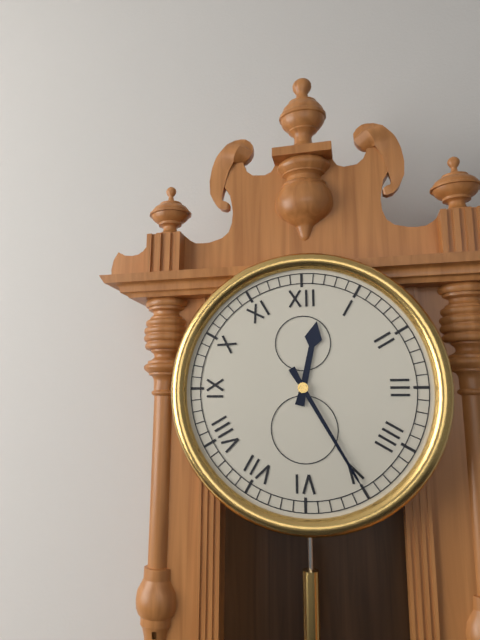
12.25
